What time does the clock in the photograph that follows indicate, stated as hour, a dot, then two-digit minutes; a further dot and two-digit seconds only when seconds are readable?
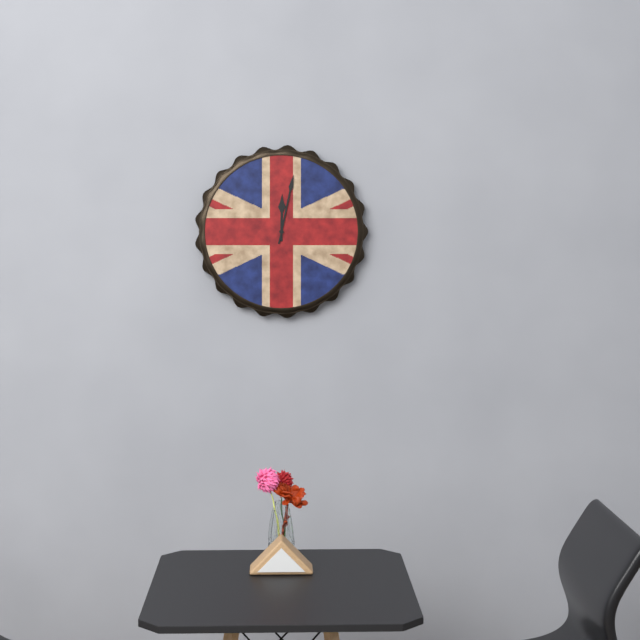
12.02
